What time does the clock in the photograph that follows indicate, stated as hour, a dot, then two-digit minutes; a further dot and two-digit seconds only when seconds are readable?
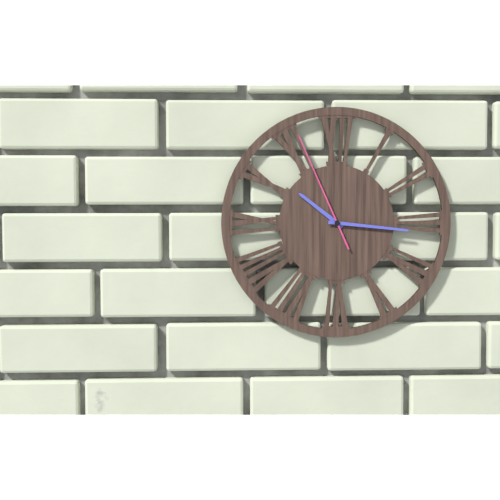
10.16.56
